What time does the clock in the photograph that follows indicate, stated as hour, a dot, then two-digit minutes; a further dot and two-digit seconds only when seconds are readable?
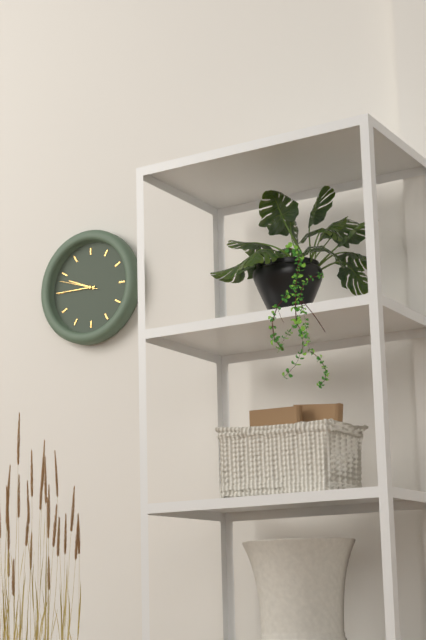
9.45
